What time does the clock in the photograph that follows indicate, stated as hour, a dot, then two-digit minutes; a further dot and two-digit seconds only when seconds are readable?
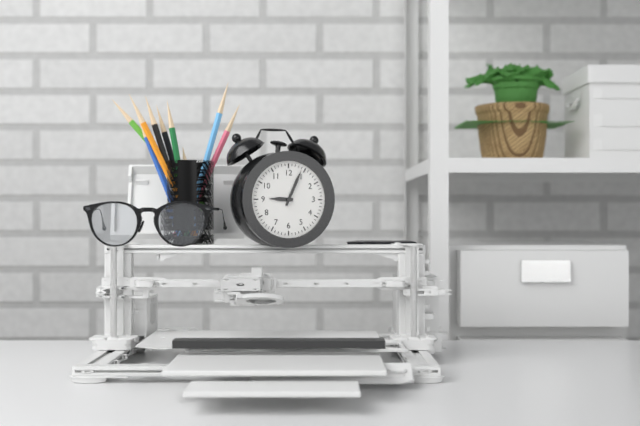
9.04
